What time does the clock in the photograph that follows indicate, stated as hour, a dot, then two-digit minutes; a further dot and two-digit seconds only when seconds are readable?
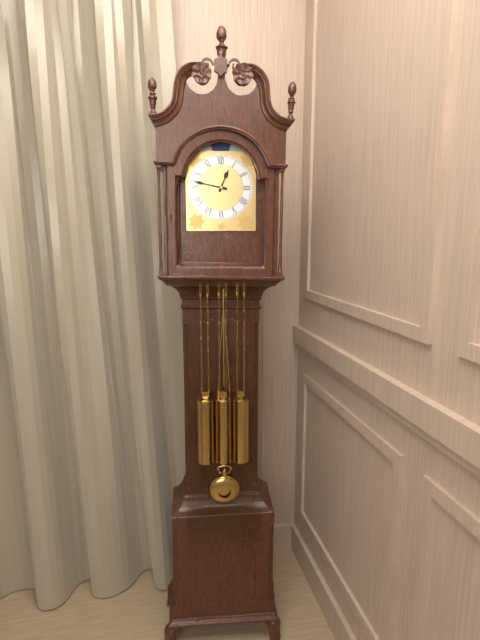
12.47
